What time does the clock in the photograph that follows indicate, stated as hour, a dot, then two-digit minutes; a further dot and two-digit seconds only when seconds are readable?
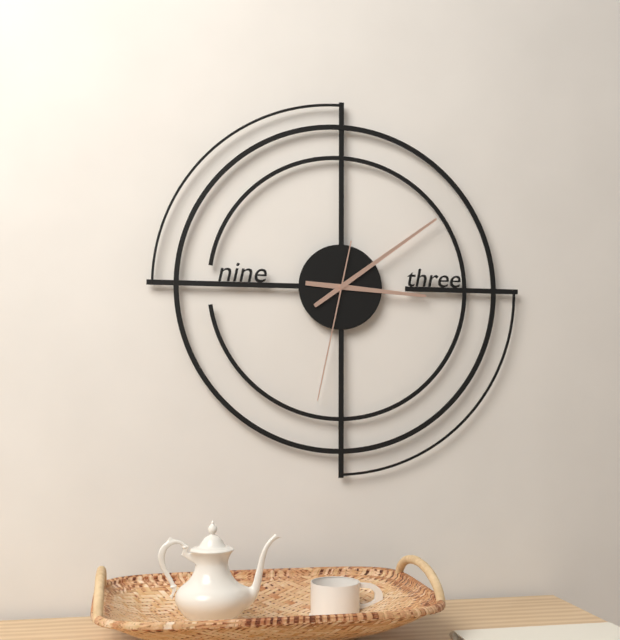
3.09.32
